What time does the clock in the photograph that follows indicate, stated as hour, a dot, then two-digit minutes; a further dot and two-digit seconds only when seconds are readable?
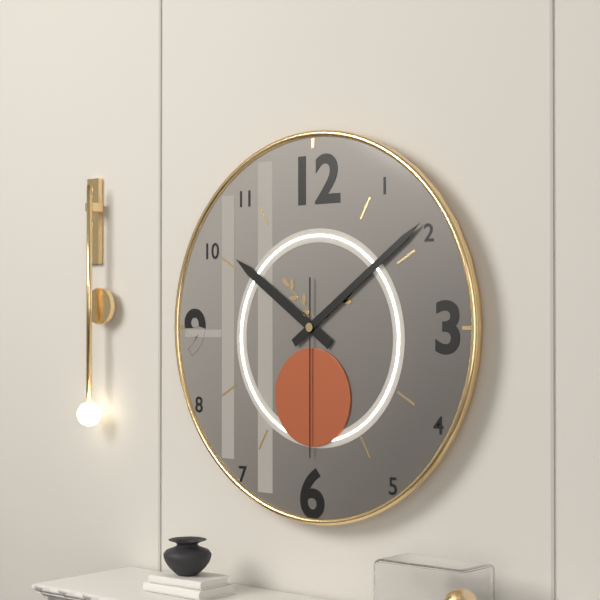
10.09.30
